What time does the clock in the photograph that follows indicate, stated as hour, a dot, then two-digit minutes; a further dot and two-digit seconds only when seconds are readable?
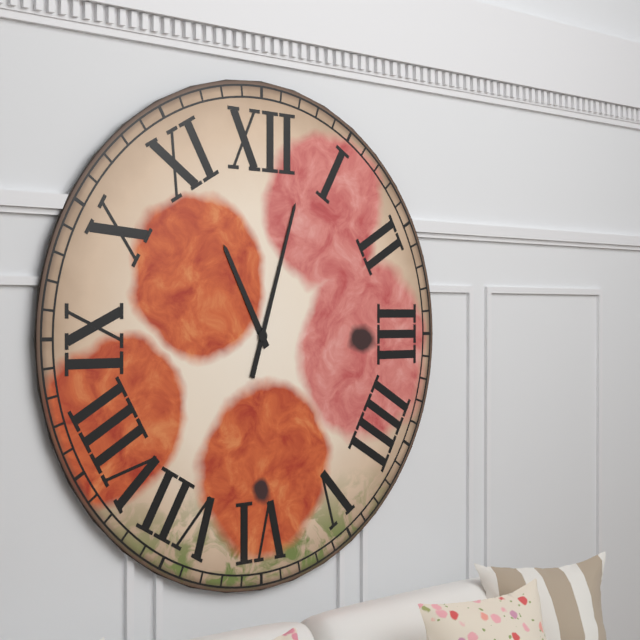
11.03
